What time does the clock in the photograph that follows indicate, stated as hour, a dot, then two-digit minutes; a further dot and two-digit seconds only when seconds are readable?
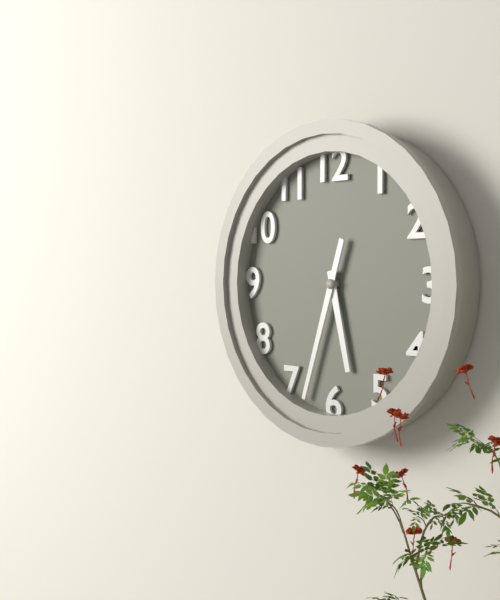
5.33
